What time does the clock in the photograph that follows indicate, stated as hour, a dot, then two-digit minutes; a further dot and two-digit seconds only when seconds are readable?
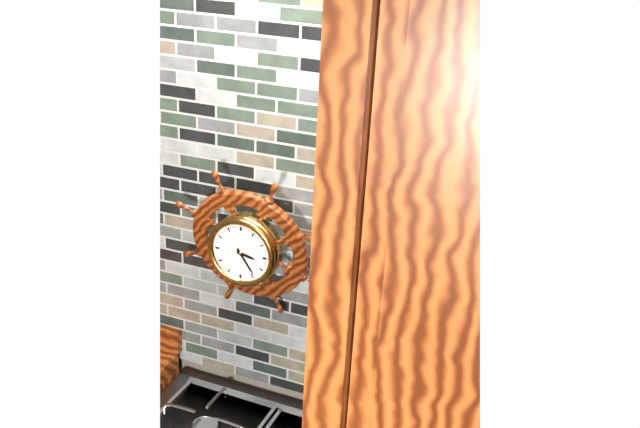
3.24
